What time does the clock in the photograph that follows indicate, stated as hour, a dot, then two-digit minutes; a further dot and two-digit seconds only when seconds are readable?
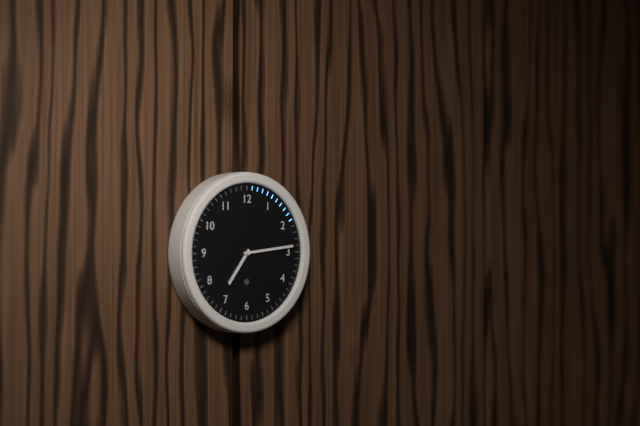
7.14
